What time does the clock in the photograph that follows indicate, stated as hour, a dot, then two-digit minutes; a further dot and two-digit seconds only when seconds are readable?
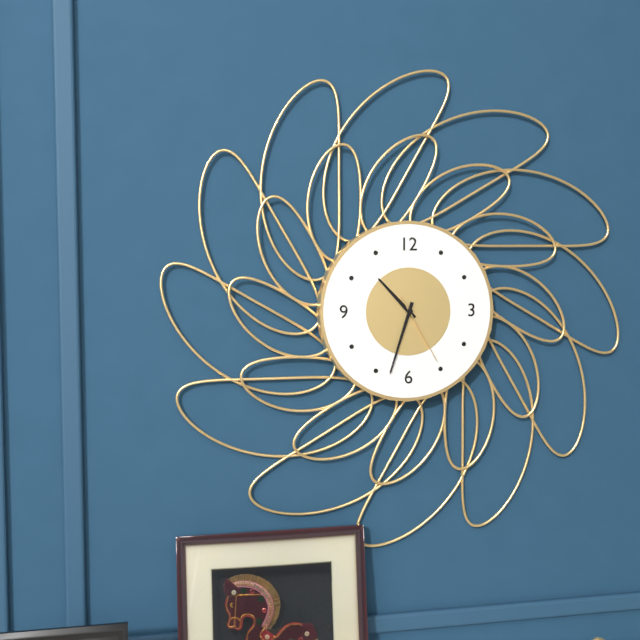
10.33.25
